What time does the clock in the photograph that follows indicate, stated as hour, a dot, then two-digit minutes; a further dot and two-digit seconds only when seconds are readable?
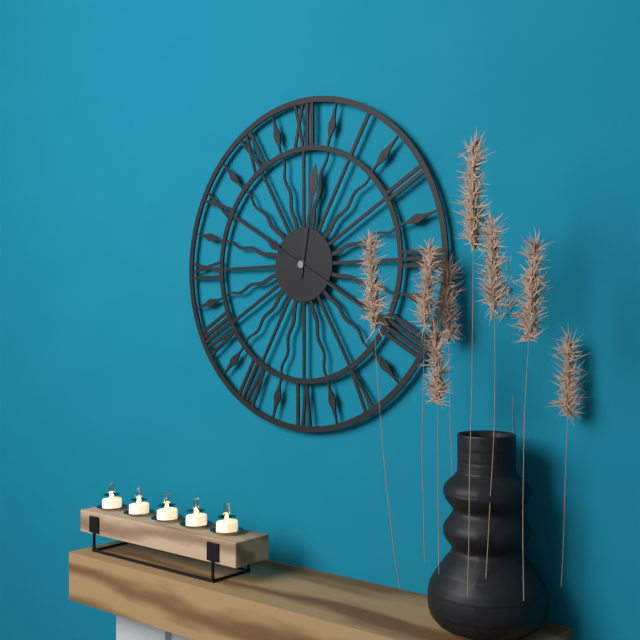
12.20
